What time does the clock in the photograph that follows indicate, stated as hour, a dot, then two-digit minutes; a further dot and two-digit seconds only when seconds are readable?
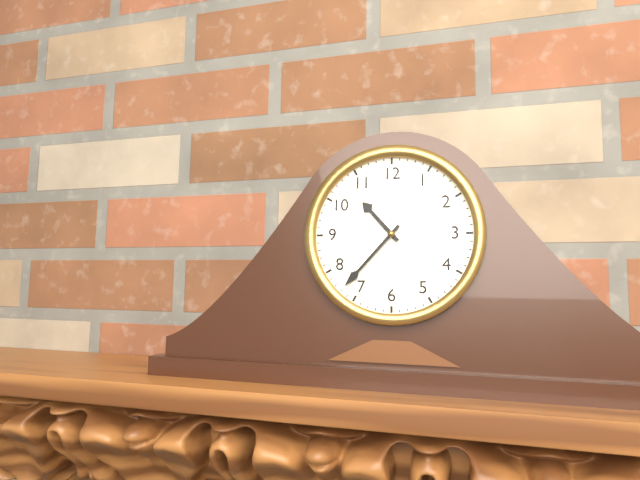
10.37
